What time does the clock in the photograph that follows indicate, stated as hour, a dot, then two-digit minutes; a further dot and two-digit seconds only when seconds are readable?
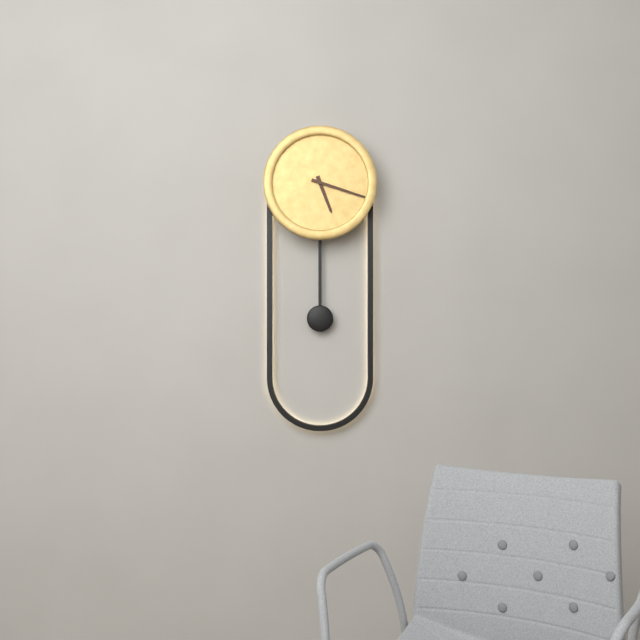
5.18
